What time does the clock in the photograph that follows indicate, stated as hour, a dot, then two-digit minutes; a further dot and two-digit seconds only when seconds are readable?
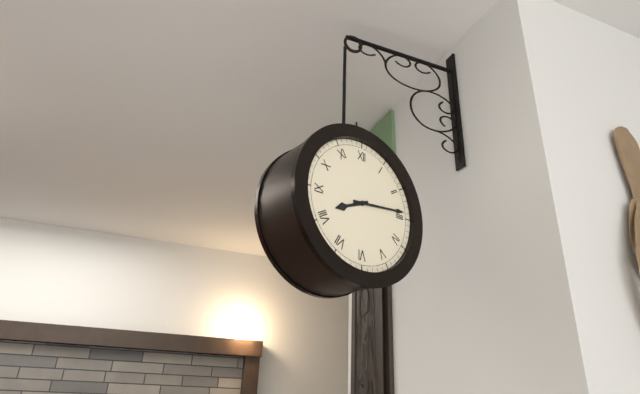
8.14
